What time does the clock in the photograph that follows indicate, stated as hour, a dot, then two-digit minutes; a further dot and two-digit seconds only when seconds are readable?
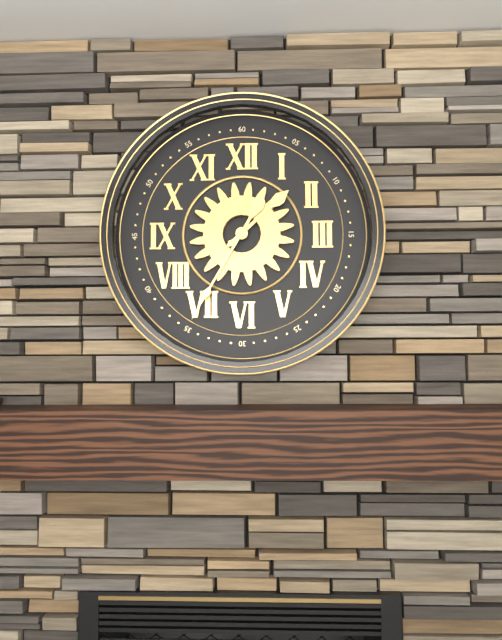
1.35
